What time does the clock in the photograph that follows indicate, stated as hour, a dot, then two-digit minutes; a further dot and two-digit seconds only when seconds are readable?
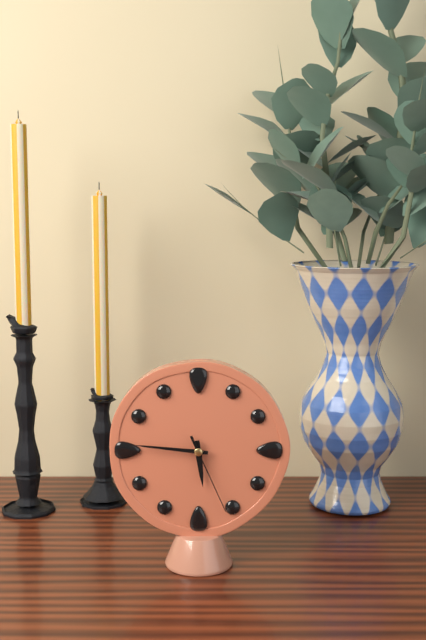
5.46.26
